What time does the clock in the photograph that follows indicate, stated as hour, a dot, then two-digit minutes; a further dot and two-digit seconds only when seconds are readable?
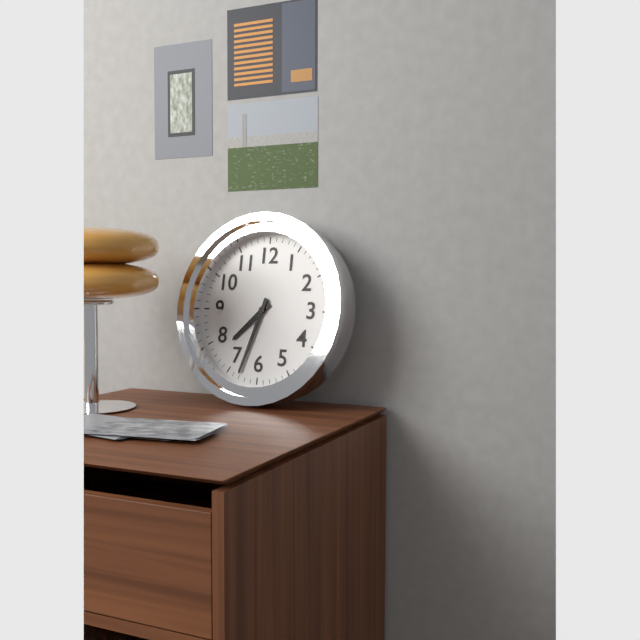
7.33
